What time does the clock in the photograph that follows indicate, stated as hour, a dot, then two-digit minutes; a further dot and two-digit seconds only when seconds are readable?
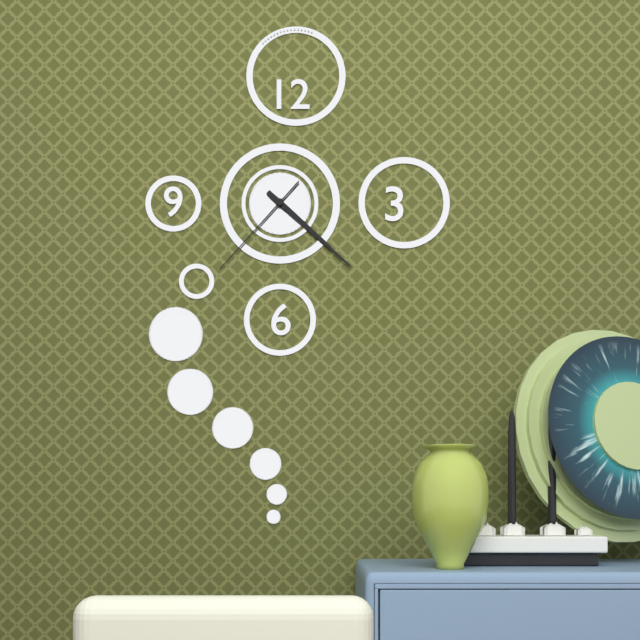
4.22.37
